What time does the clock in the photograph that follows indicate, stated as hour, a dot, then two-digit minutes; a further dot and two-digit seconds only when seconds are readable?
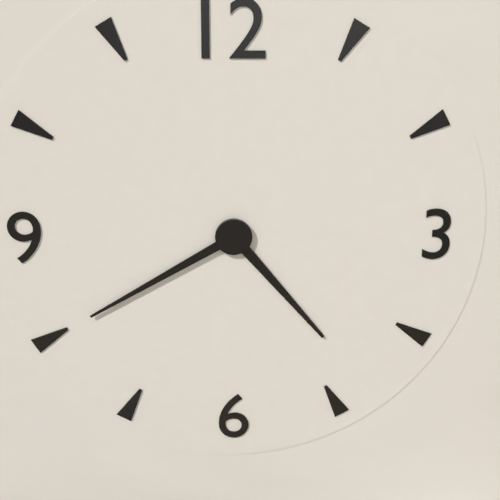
4.40
